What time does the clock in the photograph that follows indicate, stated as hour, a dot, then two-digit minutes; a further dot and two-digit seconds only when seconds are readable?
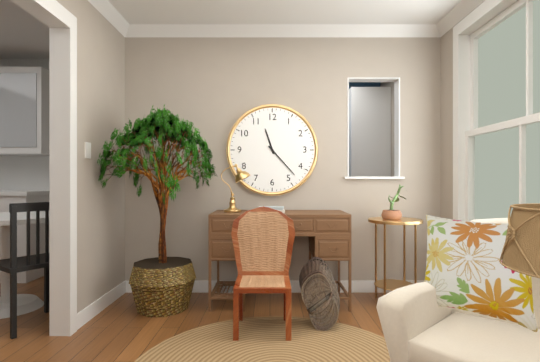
11.23
